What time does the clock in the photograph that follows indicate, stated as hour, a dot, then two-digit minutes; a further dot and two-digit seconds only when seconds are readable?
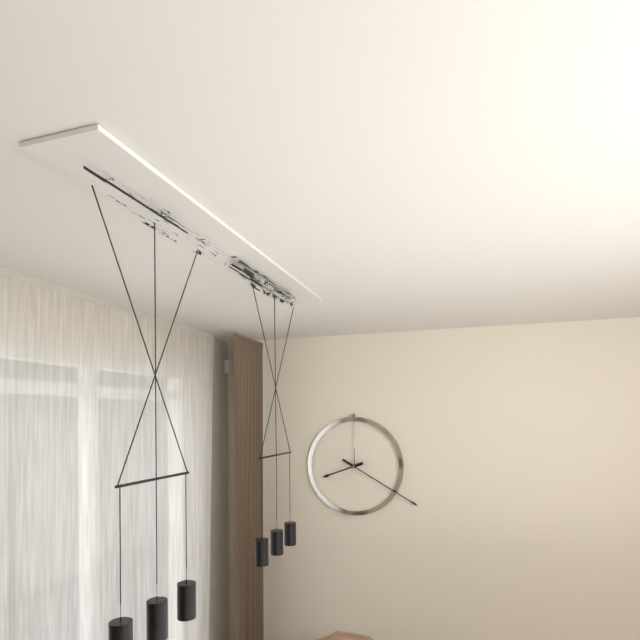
8.20
